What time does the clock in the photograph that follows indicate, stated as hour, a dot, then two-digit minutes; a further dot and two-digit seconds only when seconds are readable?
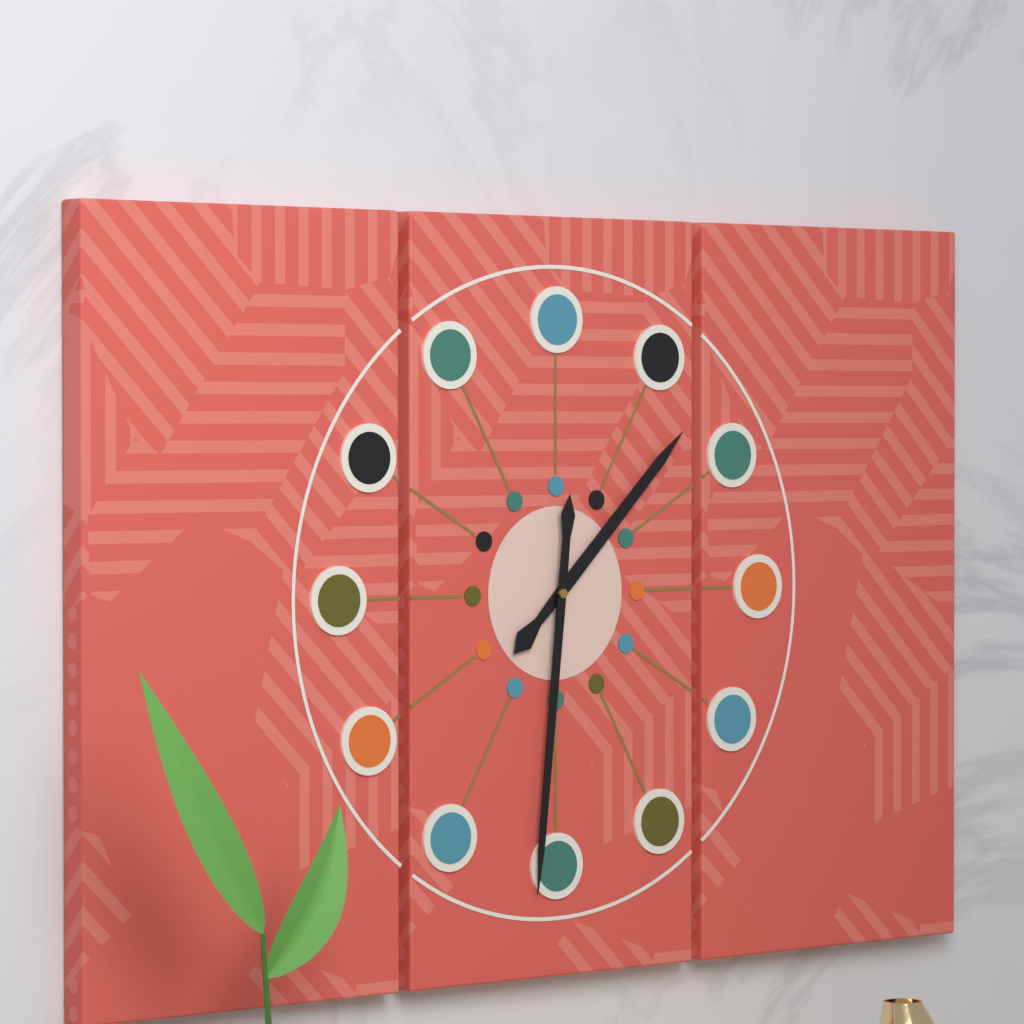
1.31
